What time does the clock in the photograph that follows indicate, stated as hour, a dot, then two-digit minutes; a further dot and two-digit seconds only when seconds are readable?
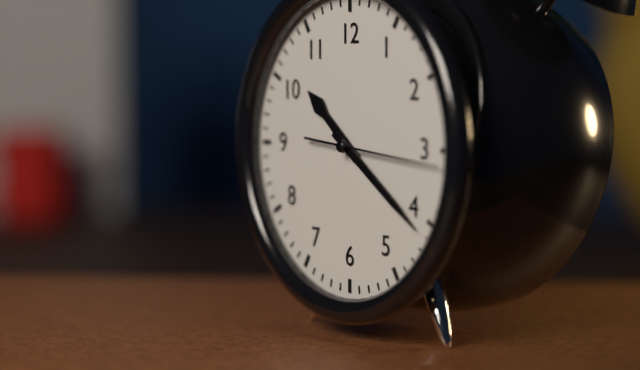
10.21.16
